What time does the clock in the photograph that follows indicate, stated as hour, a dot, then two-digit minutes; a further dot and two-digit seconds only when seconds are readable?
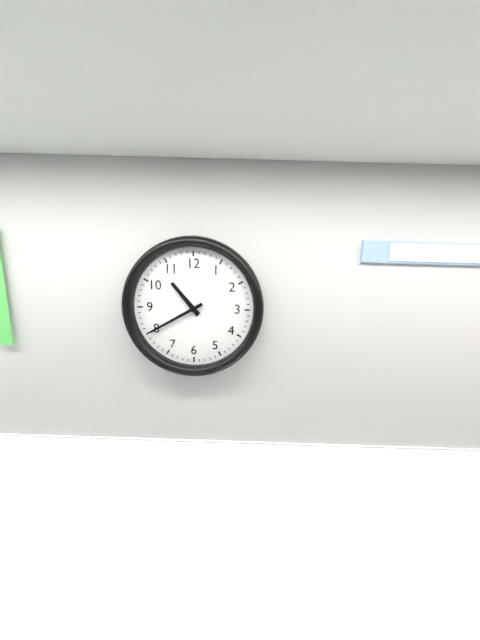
10.40
